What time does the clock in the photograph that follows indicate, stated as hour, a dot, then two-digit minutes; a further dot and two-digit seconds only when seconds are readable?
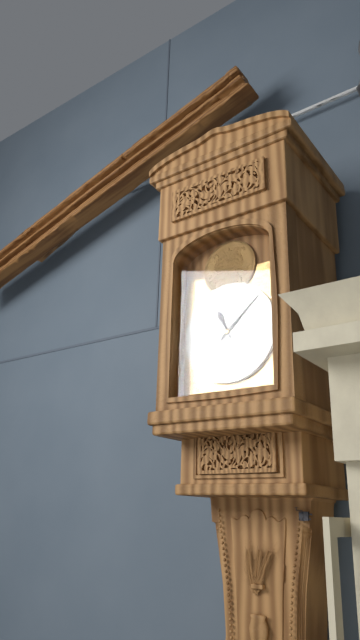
11.08
